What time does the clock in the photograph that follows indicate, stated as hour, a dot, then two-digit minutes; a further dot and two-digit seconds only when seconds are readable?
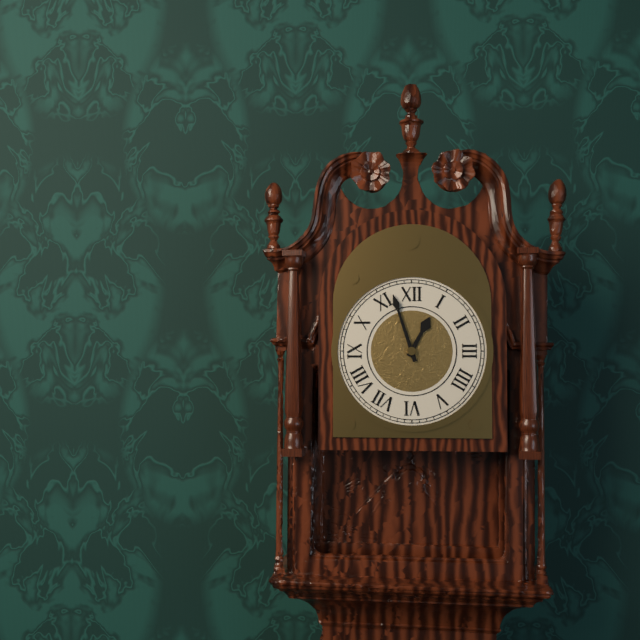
12.57
